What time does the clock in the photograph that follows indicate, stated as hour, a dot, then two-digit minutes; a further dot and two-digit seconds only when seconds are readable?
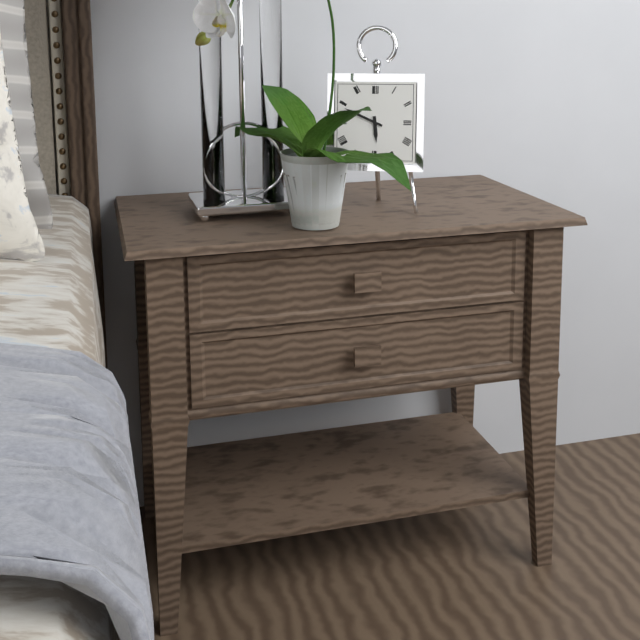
5.49
